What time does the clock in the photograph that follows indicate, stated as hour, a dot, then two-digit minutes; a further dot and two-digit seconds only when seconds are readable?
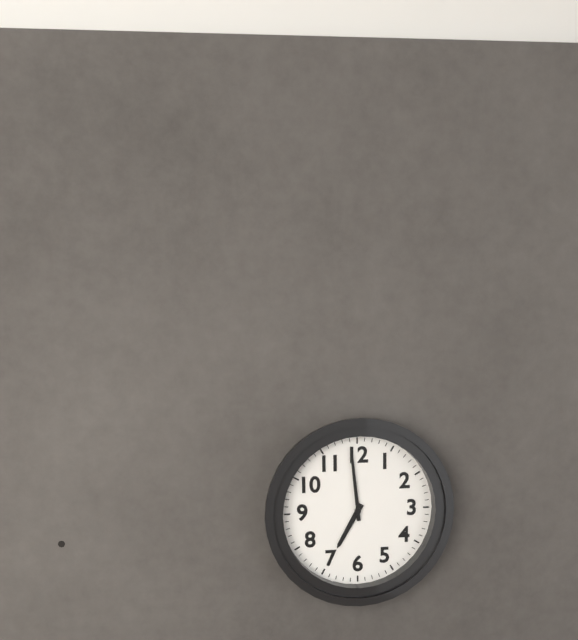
6.59
